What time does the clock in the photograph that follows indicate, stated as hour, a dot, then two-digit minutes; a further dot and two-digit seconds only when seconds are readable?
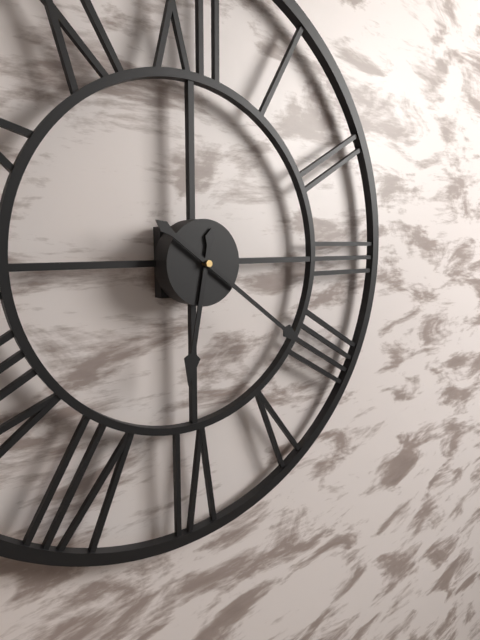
6.21
